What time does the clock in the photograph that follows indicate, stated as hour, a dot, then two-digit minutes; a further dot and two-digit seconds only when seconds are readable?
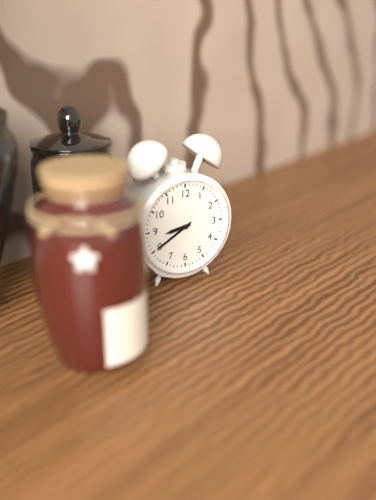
8.40
